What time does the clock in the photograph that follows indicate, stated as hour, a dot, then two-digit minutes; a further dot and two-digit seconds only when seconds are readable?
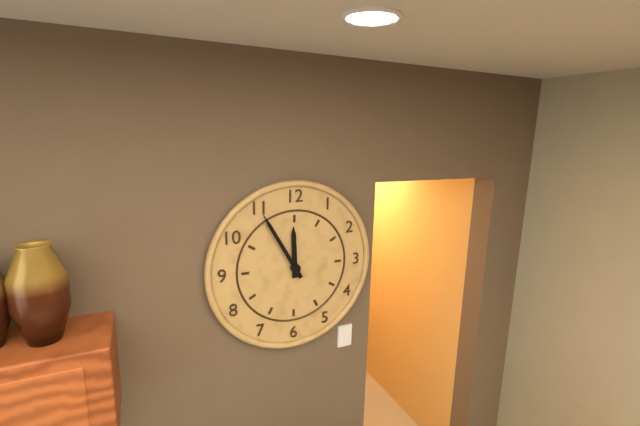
11.55
